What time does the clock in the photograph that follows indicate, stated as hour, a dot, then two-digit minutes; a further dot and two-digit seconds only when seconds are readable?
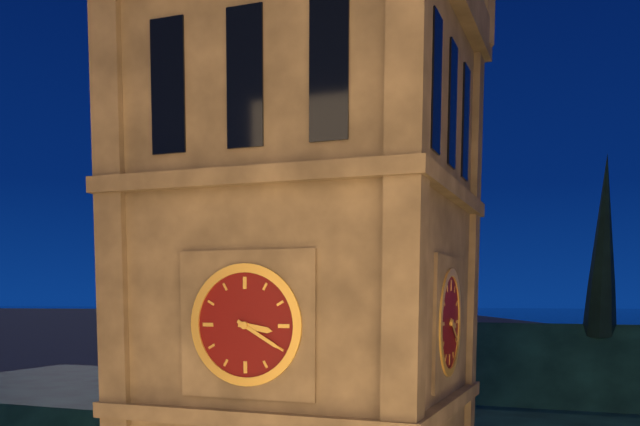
3.20
